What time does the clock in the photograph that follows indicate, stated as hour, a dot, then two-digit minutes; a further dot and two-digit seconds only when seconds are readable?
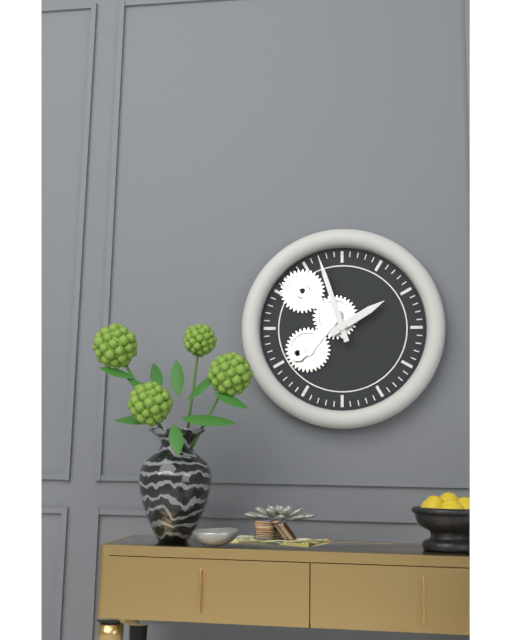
1.57
